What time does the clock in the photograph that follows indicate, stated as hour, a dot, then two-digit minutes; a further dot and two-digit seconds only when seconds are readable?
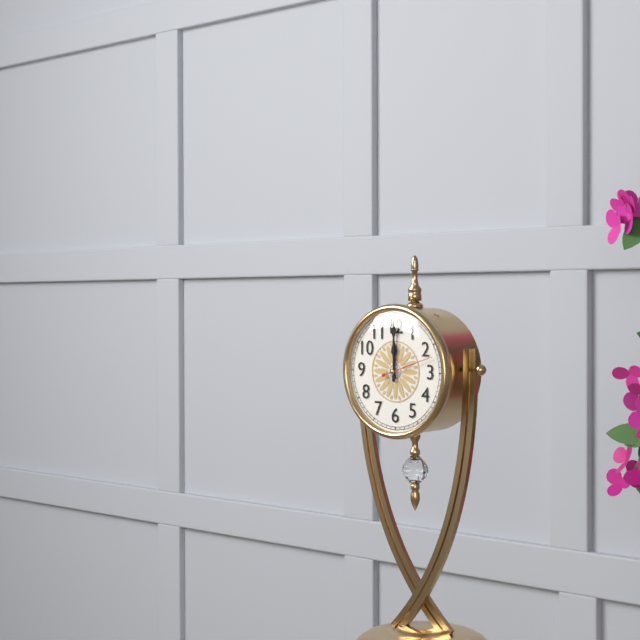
12.00.12
